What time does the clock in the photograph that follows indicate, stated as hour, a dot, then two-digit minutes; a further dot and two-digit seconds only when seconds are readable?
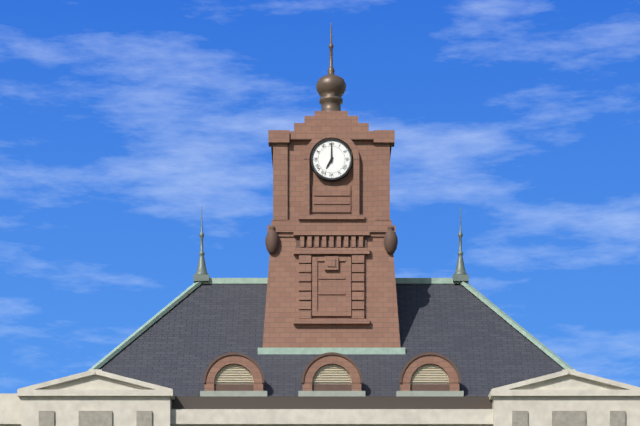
7.00
